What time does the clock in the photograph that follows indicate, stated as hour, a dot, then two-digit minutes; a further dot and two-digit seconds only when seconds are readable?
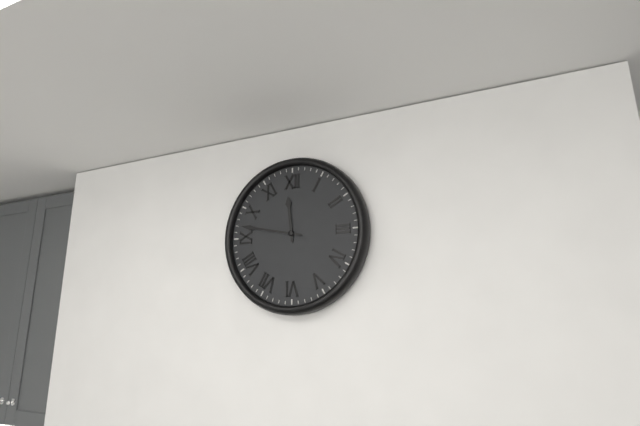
11.47
